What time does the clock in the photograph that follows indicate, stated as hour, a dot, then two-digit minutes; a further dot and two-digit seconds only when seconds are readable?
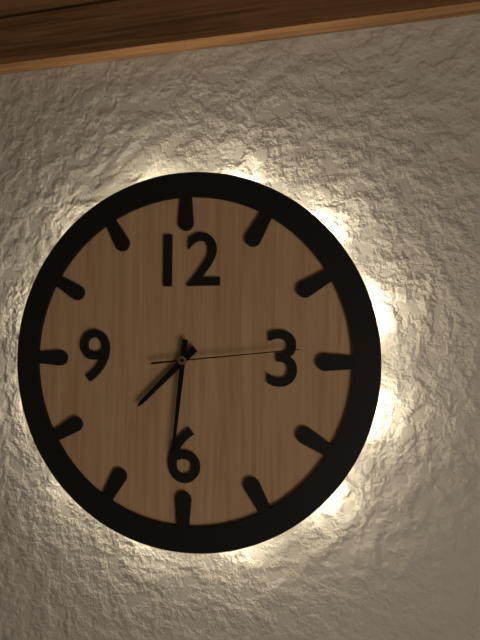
7.31.14
